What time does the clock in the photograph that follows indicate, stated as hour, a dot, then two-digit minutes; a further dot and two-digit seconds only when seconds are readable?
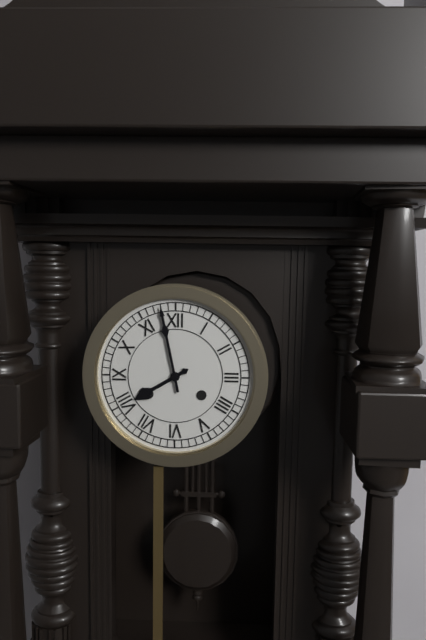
7.58
